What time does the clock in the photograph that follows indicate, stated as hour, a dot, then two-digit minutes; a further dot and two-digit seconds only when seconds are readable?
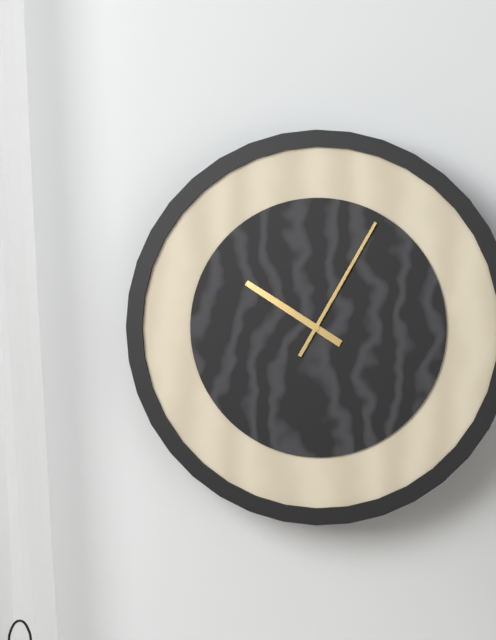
10.05
